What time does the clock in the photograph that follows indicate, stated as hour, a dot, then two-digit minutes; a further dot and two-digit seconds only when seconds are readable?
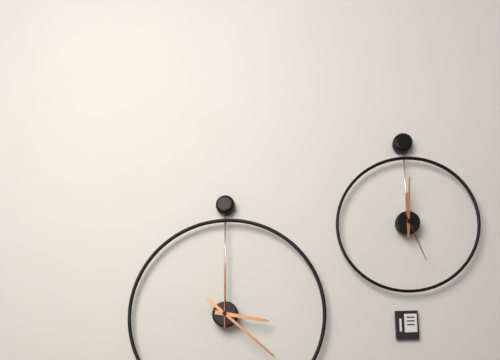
3.22.00
